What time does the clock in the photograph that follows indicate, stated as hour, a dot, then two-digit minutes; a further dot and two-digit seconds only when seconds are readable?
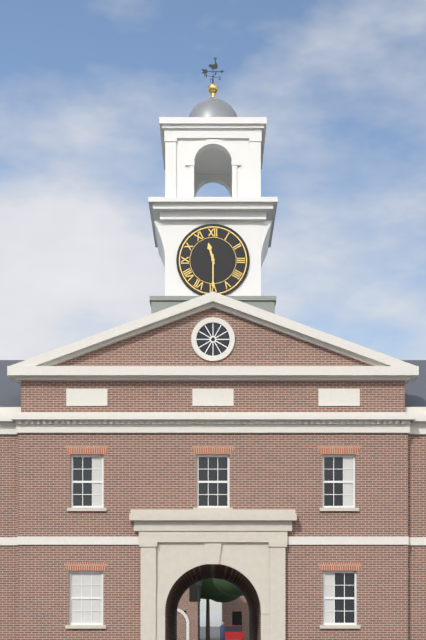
11.30
